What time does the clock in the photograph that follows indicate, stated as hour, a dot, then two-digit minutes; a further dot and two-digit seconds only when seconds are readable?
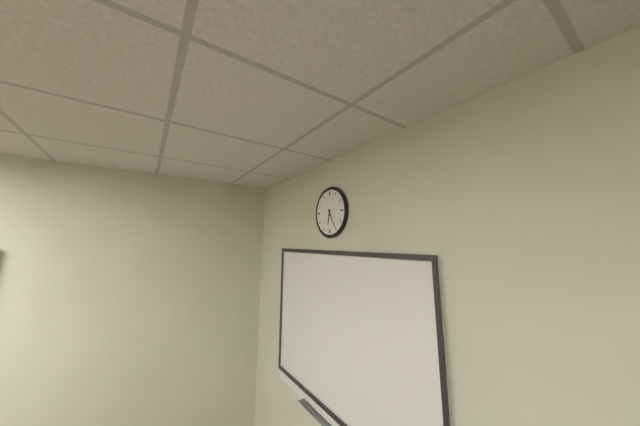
6.25
